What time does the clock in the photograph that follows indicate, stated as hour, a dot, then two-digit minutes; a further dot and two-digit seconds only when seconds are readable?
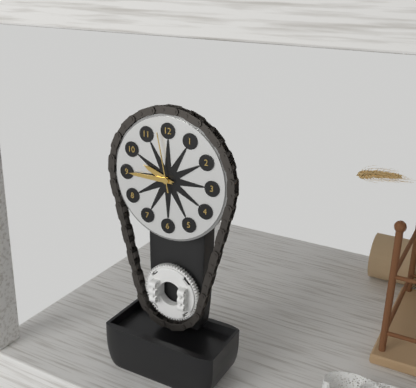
9.45.58
